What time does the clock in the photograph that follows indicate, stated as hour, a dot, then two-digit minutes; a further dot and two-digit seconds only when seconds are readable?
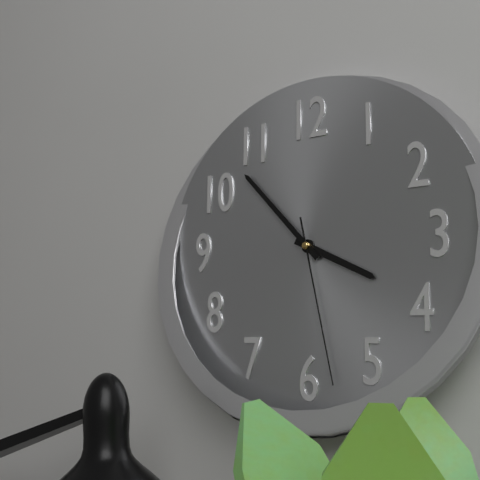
3.53.28
